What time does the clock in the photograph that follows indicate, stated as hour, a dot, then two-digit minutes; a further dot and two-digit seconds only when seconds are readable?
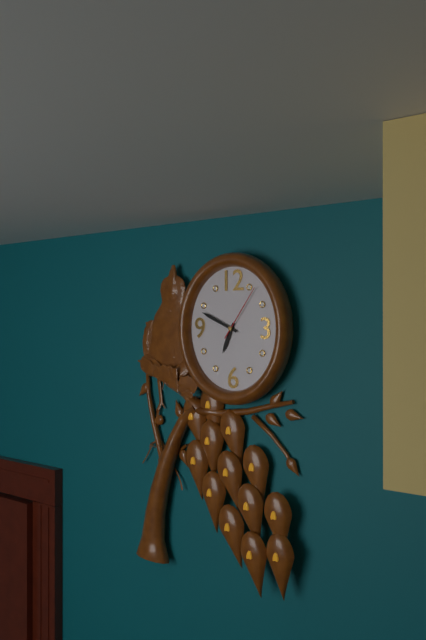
6.49.06
